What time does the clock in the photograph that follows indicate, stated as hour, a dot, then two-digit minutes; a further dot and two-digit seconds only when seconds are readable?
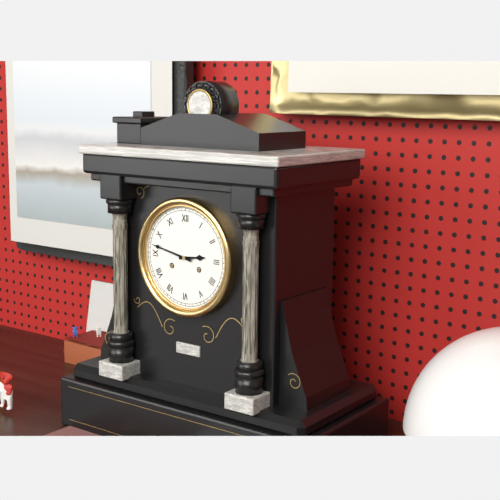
2.47
